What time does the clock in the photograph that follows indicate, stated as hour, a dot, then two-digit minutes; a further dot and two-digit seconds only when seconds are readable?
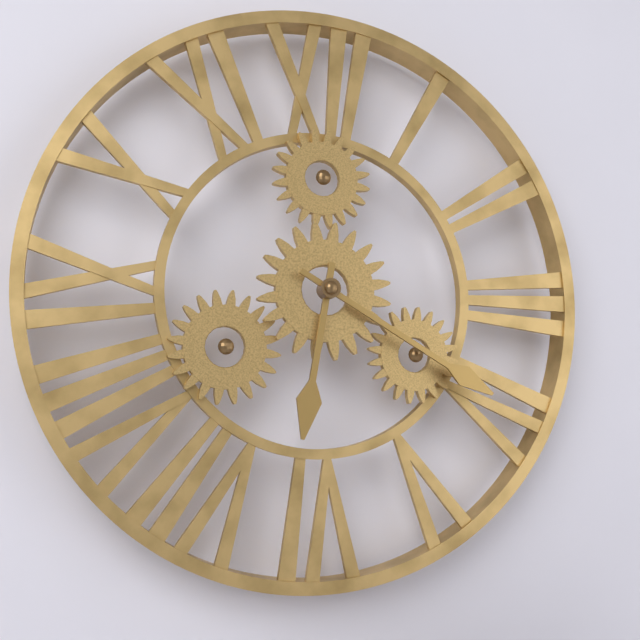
6.20
